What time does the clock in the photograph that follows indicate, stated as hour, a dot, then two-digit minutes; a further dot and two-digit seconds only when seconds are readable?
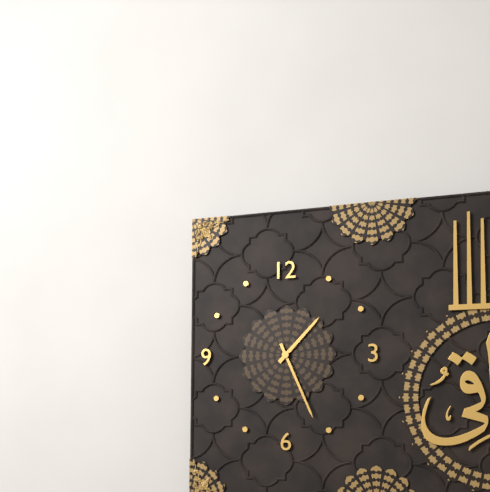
1.26
